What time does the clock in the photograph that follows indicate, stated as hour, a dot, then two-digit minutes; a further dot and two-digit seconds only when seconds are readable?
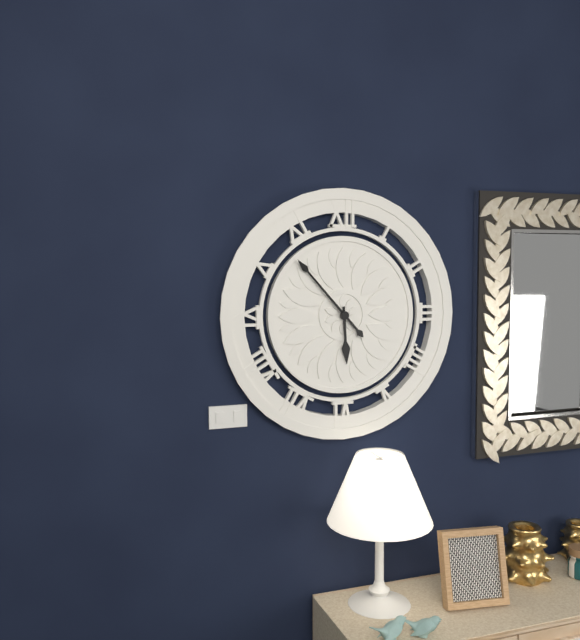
5.53
